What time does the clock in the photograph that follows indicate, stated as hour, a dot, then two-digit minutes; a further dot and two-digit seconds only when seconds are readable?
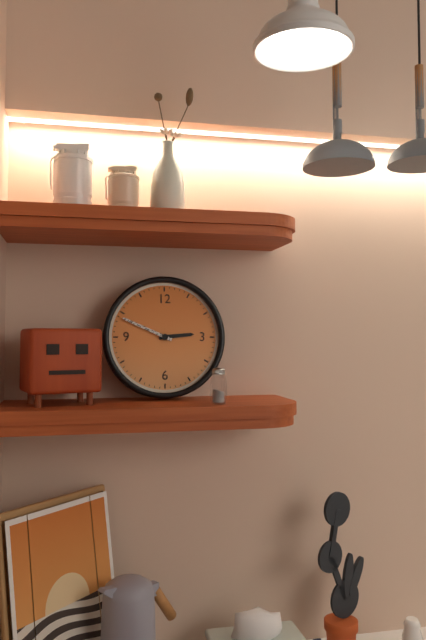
2.49
